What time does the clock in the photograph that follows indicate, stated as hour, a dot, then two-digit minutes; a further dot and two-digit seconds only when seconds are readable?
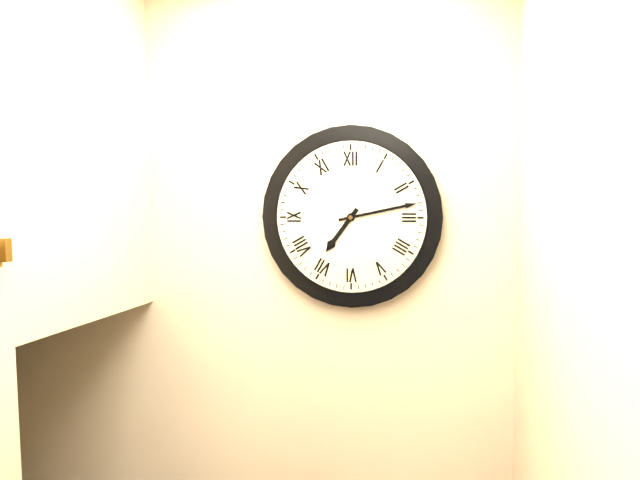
7.13
